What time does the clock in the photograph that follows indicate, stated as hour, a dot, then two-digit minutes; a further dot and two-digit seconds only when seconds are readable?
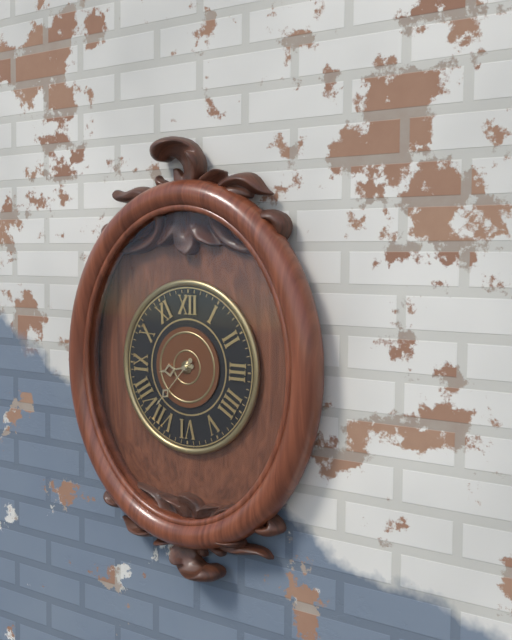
8.37
